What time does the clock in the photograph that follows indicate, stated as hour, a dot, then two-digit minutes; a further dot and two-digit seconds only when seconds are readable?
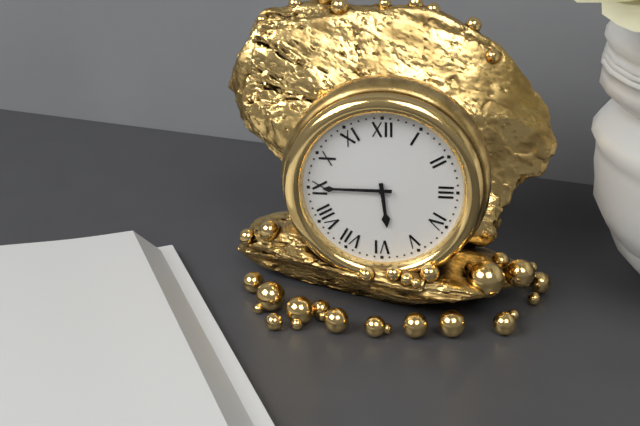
5.45
